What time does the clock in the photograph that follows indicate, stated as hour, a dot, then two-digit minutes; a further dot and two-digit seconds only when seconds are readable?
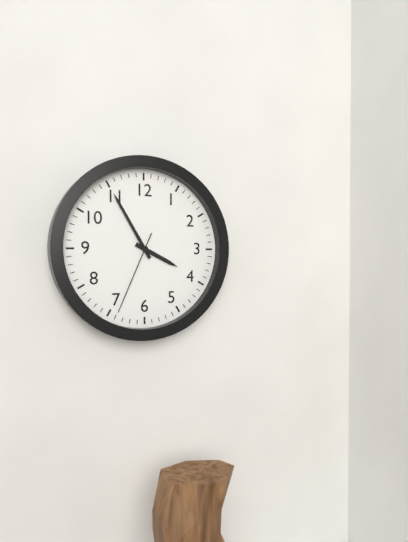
3.55.34
